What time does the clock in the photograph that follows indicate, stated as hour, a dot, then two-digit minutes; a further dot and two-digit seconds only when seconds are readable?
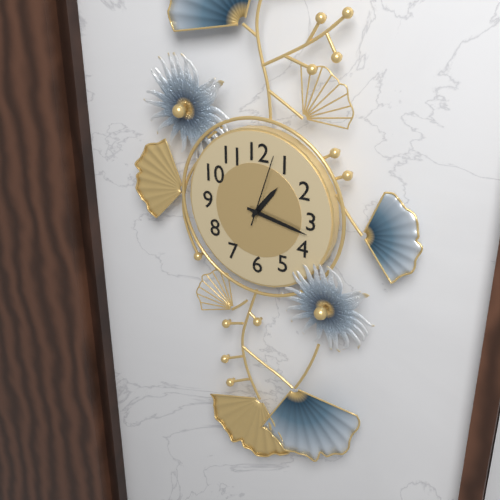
1.17.03
